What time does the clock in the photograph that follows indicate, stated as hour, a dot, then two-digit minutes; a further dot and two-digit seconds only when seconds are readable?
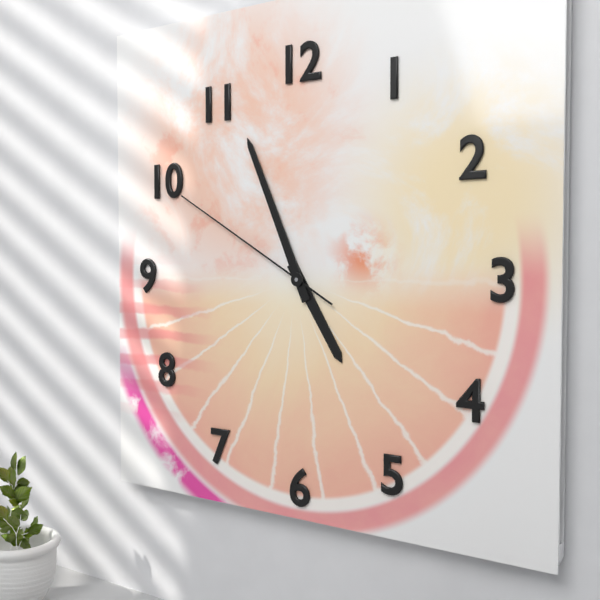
4.56.50
